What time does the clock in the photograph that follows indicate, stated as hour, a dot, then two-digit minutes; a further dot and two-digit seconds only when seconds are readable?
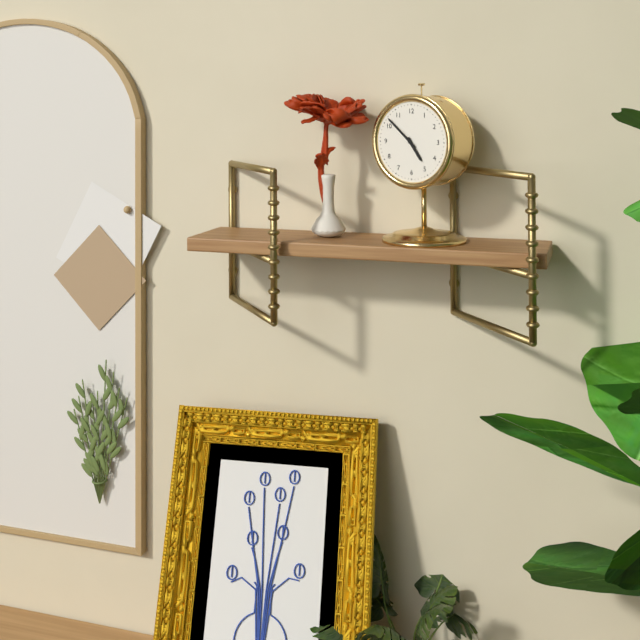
4.52
